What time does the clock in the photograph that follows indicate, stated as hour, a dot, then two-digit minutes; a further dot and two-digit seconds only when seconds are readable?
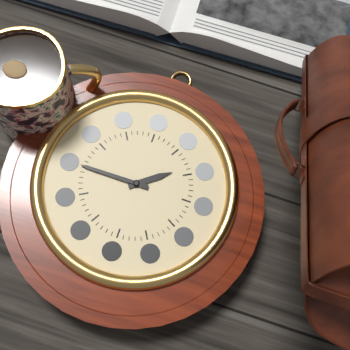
1.45
